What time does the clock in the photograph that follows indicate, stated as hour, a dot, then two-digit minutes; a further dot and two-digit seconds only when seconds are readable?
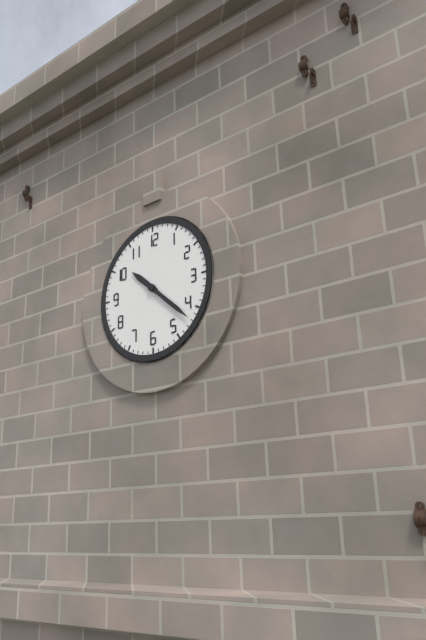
10.22
